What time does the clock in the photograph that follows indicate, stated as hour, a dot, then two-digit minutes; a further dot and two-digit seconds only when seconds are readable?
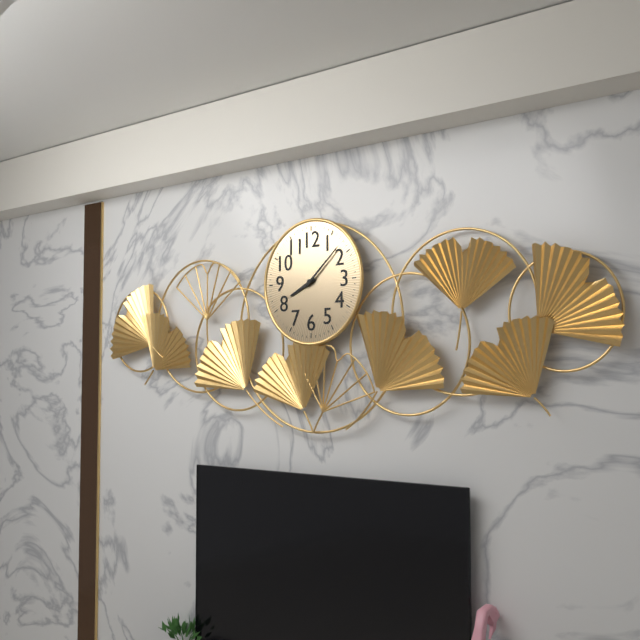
8.08
